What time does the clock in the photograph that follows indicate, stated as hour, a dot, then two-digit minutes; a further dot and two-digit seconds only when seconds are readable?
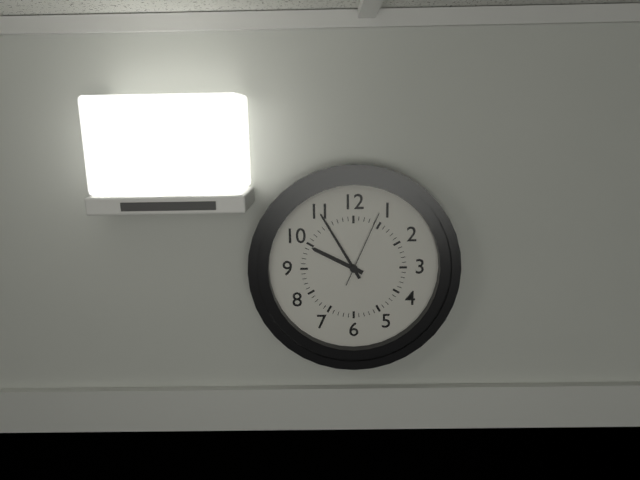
9.55.04
